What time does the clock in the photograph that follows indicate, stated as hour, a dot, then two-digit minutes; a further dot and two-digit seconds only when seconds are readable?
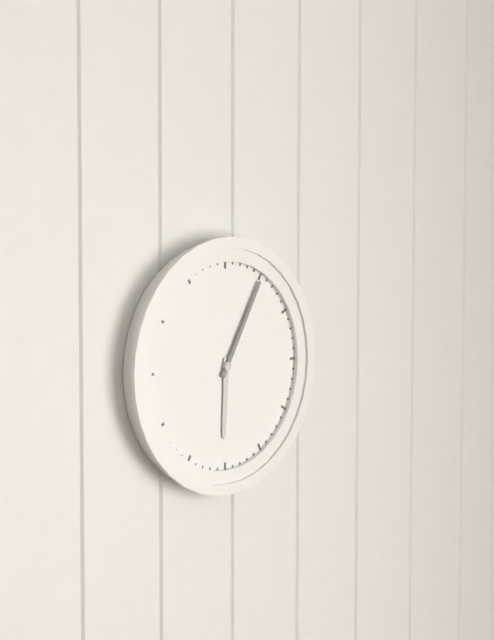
6.05
